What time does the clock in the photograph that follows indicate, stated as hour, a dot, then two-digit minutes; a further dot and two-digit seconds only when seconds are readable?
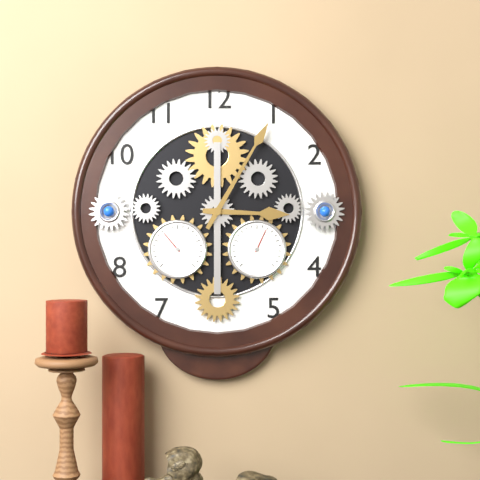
3.05
